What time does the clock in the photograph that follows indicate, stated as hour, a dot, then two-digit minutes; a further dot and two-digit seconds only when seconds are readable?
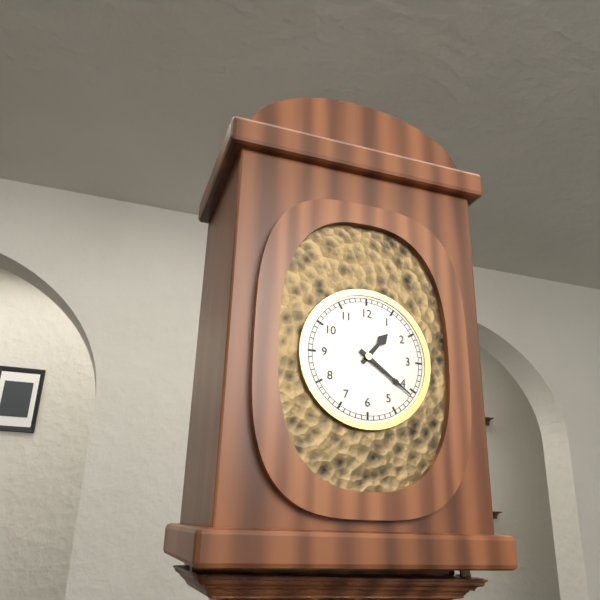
1.21
